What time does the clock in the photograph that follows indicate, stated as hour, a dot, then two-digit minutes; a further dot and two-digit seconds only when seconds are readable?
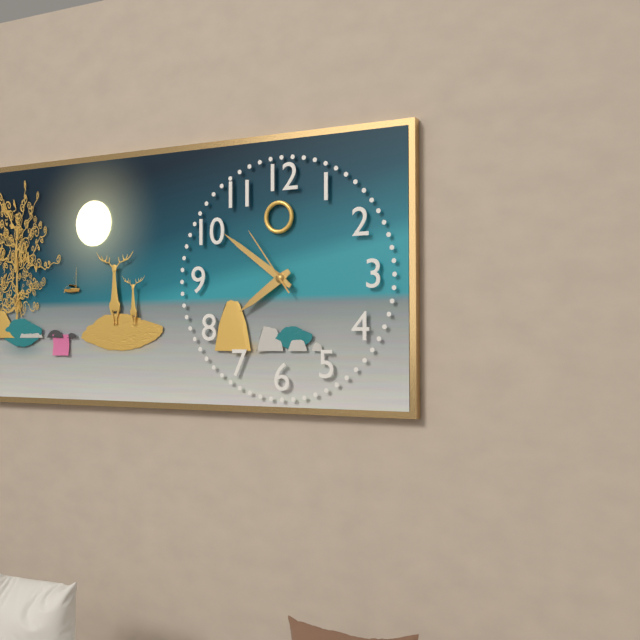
7.51.54
